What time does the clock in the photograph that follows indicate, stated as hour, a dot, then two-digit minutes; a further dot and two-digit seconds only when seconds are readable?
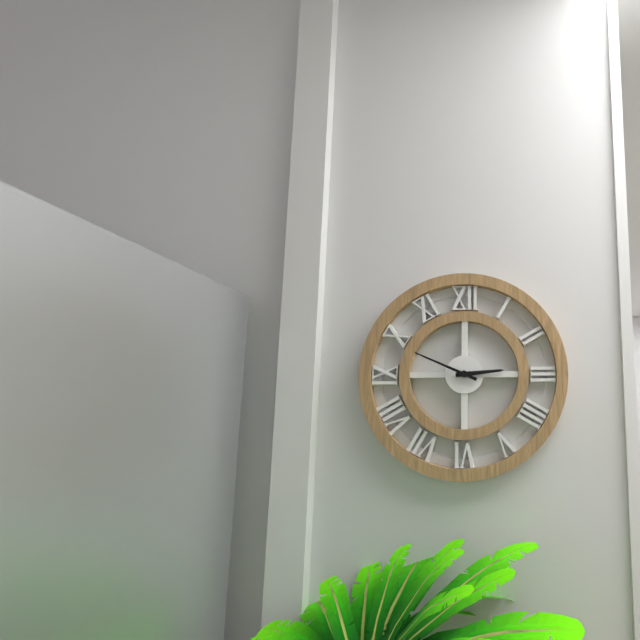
2.49
